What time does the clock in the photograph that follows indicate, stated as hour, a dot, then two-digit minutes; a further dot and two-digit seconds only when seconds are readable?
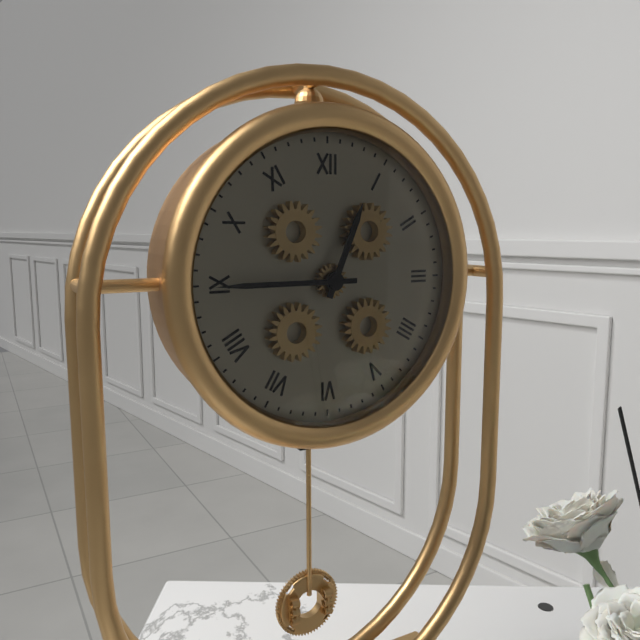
12.45
